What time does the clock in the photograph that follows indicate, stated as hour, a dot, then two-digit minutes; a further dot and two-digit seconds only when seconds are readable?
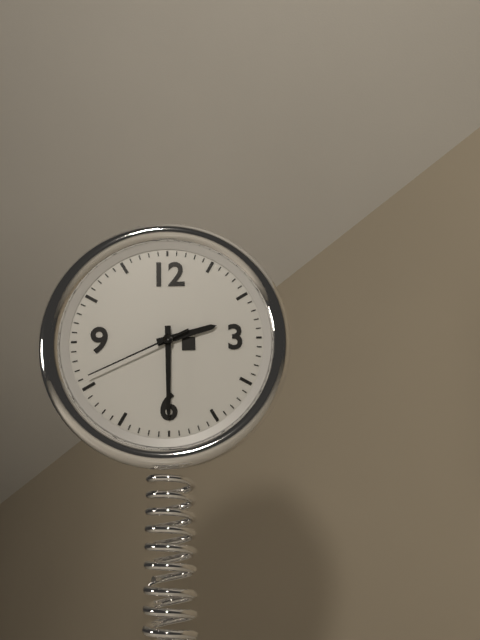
2.30.41
